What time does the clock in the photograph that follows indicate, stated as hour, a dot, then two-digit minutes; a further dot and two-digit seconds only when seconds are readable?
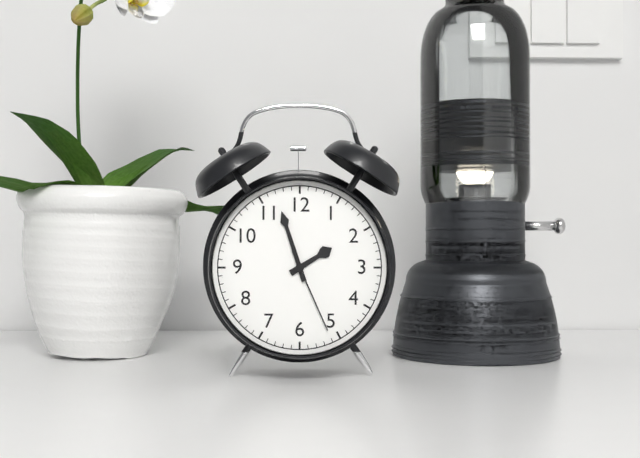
1.57.26
